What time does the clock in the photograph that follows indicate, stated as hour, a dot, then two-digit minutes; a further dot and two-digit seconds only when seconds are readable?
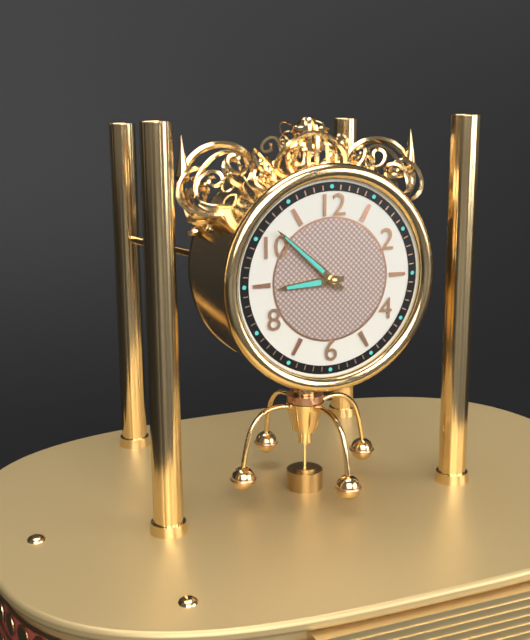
8.52
